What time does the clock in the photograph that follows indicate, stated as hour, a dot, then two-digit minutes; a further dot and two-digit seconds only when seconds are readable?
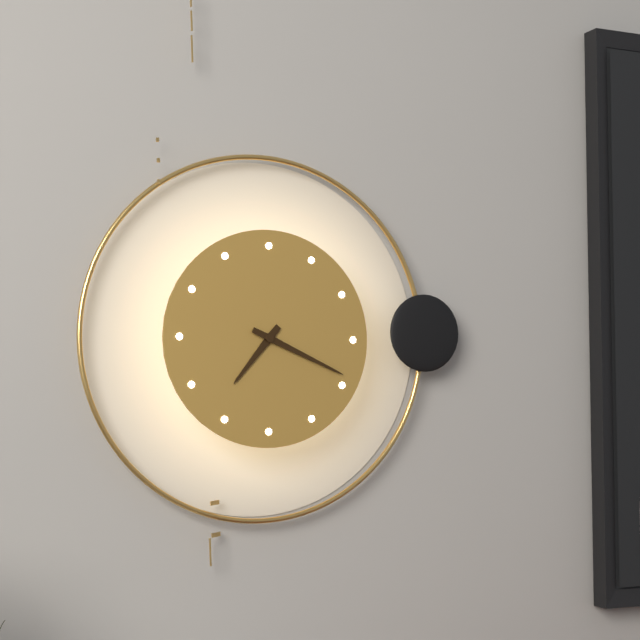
7.19
